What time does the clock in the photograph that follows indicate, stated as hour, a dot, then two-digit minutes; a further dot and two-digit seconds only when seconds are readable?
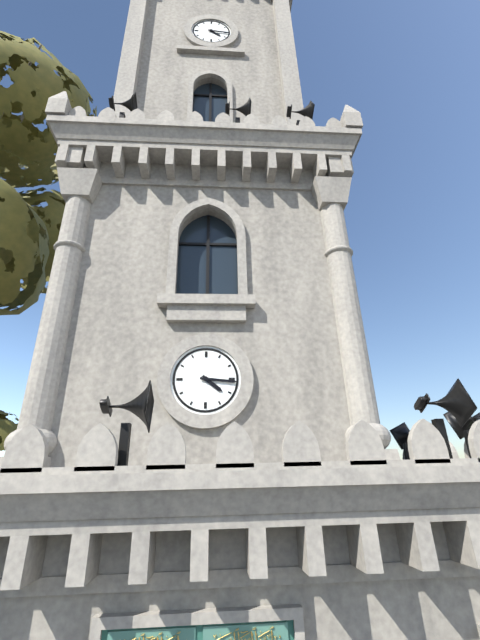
4.16
